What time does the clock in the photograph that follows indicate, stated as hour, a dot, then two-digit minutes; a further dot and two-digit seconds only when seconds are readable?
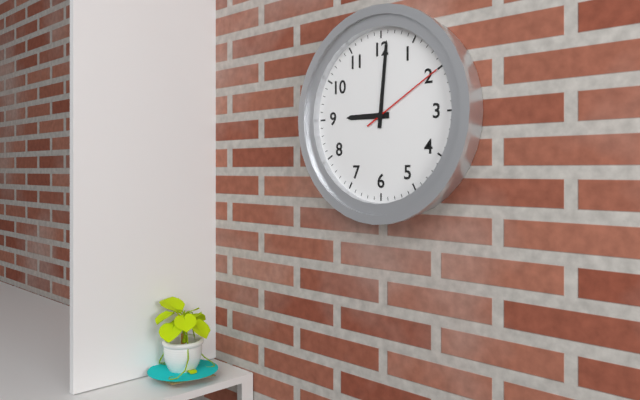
9.01.10
